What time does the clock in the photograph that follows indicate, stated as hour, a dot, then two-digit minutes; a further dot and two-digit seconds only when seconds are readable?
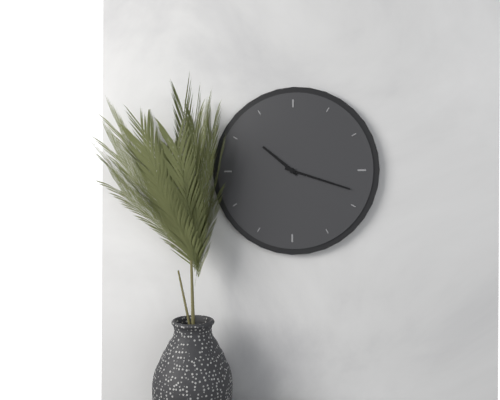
10.18
